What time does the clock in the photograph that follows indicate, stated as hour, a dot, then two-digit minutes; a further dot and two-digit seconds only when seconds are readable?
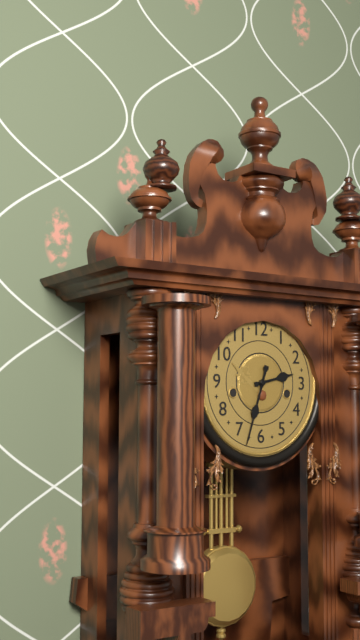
2.33
